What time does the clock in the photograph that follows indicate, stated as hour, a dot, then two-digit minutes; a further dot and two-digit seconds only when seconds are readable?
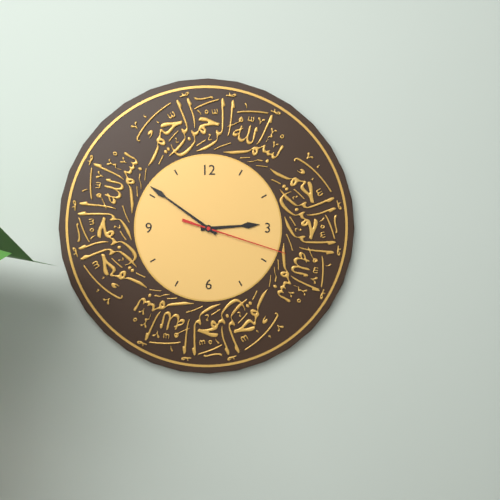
2.51.18
